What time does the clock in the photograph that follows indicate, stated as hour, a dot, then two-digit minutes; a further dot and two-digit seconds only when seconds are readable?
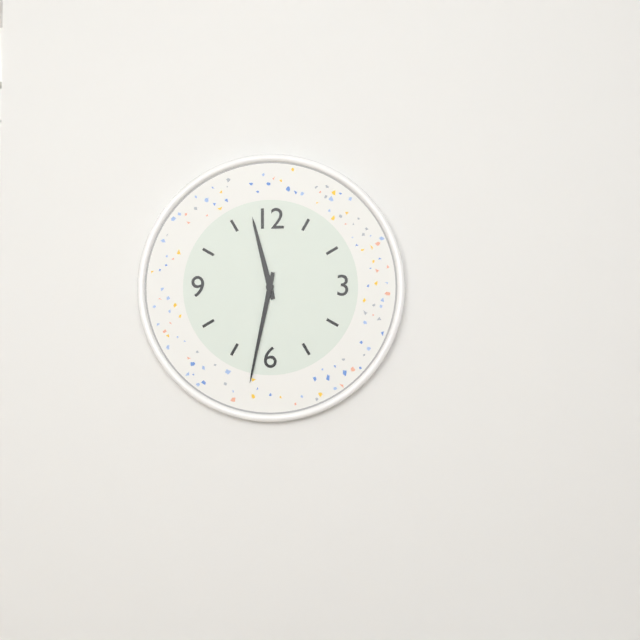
11.32
